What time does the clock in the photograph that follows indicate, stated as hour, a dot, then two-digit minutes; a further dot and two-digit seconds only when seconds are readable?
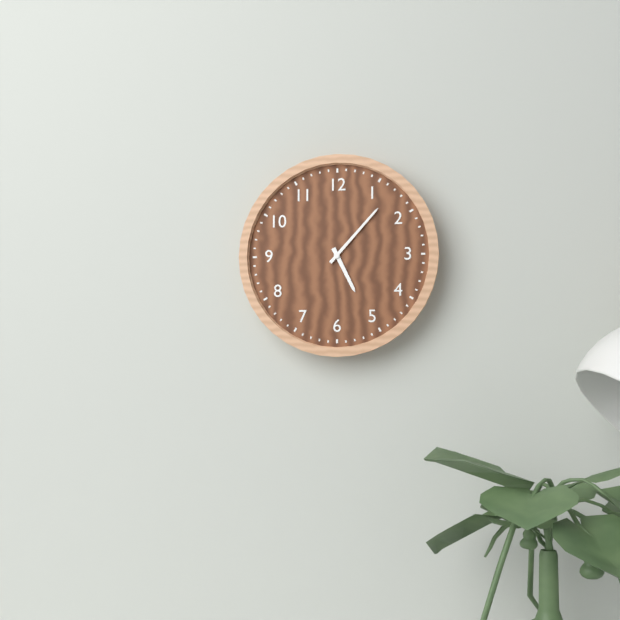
5.07
